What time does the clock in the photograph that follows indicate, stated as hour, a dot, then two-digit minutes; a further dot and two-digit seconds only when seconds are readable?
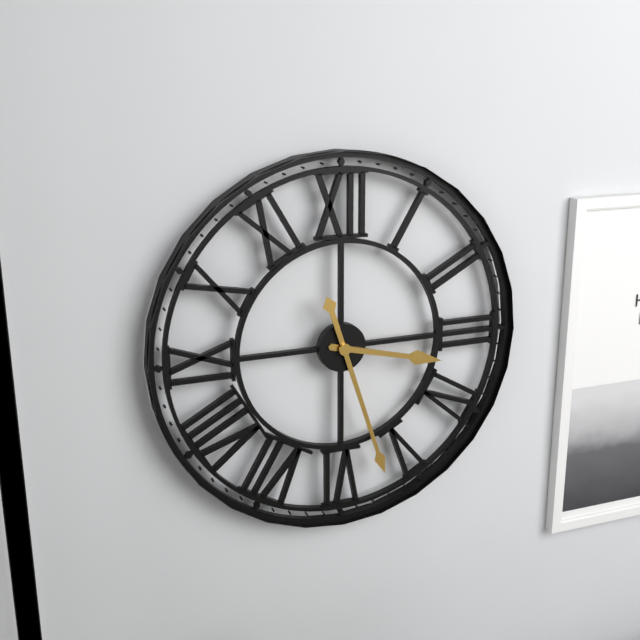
3.27
